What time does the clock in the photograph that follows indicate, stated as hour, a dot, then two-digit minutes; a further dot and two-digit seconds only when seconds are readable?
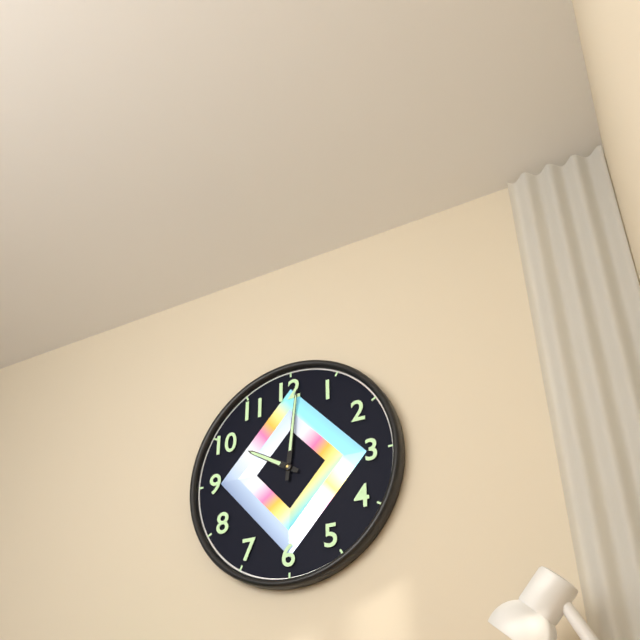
10.01
